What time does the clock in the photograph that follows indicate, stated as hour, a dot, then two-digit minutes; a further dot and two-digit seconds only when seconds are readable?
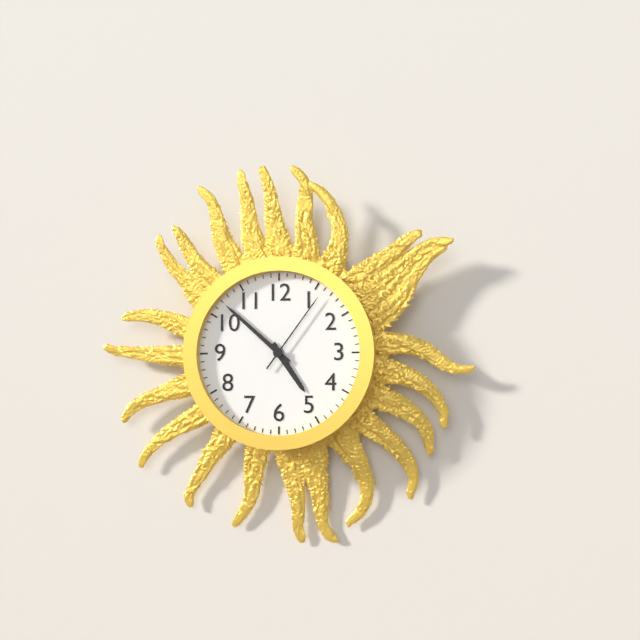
4.52.06
